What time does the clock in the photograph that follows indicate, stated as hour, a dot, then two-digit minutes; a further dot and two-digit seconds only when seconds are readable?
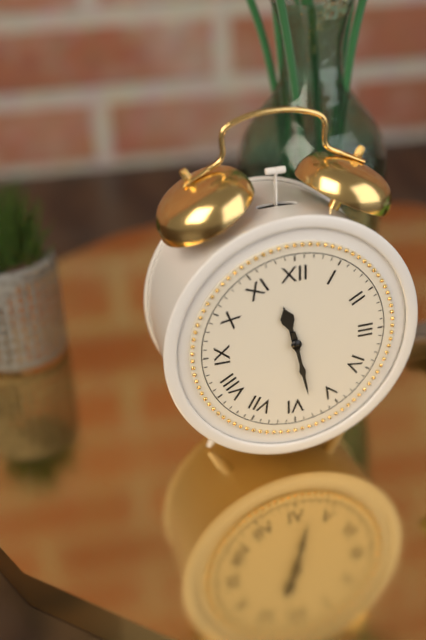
11.28
